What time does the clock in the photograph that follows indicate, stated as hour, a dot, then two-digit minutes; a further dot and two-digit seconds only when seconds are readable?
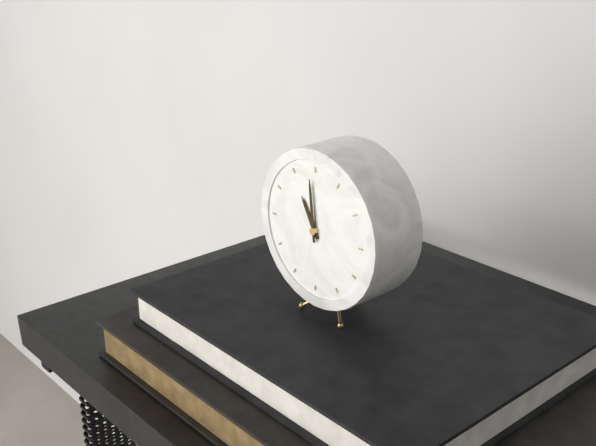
10.59
